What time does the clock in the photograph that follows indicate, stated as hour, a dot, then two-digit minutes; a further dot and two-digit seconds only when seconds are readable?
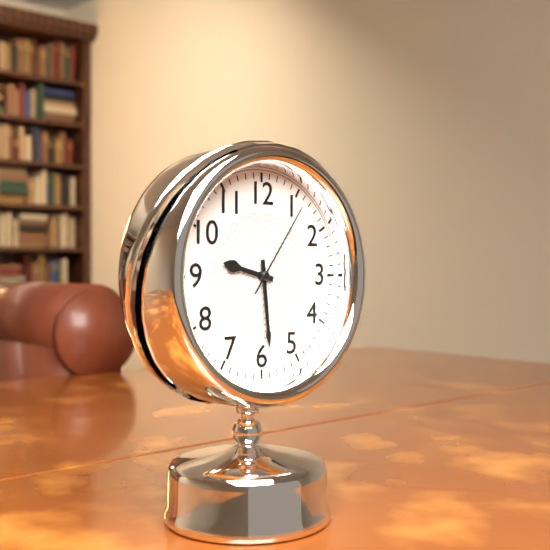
9.29.06
